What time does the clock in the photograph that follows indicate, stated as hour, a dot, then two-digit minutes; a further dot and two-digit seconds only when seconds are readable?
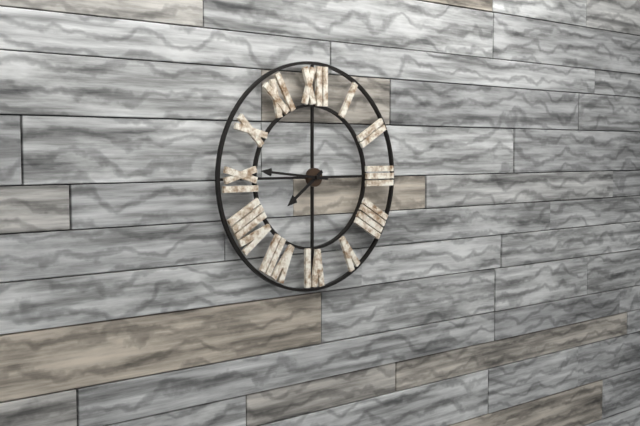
7.46
